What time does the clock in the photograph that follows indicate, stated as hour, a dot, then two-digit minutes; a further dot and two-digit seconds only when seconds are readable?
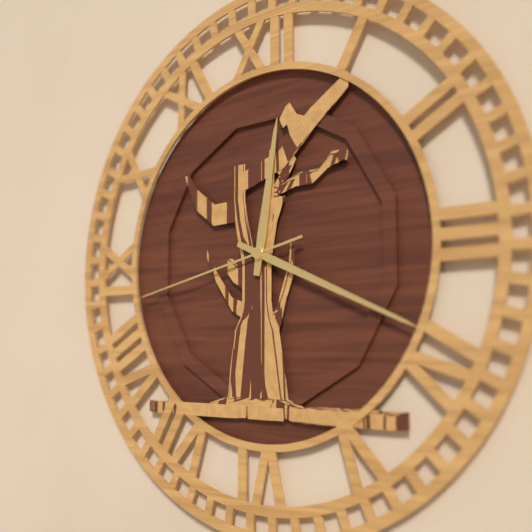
12.19.43
